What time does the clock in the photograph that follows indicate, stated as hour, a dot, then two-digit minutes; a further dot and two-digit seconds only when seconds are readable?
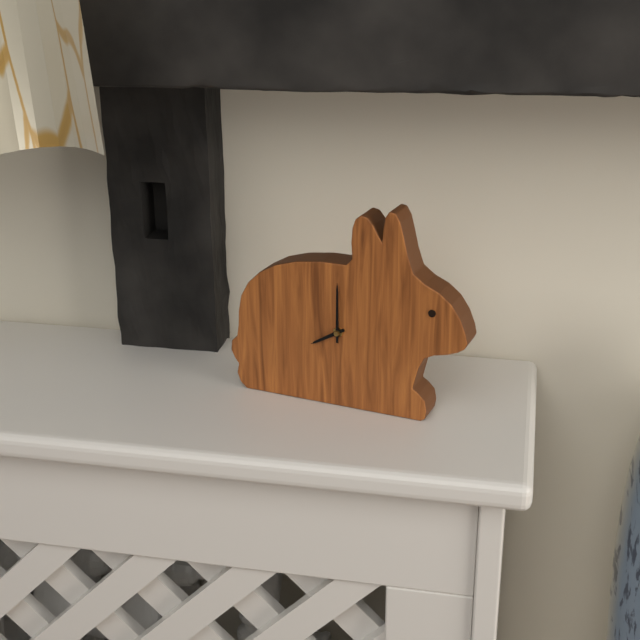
8.00
